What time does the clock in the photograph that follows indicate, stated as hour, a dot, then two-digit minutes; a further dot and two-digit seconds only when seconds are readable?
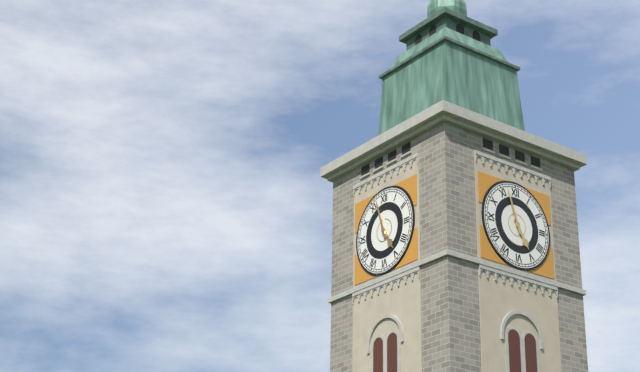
4.57
